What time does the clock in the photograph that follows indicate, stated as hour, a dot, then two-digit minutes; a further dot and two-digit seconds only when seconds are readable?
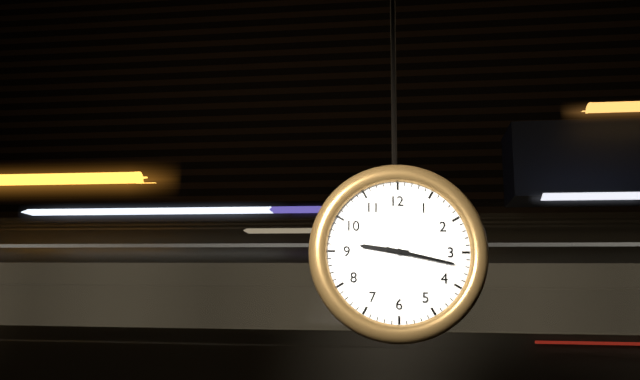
9.17
